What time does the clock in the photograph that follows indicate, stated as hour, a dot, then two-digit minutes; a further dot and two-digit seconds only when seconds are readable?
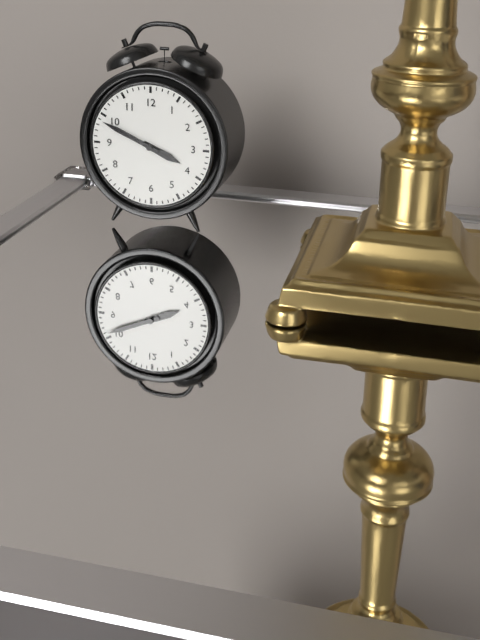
3.49
